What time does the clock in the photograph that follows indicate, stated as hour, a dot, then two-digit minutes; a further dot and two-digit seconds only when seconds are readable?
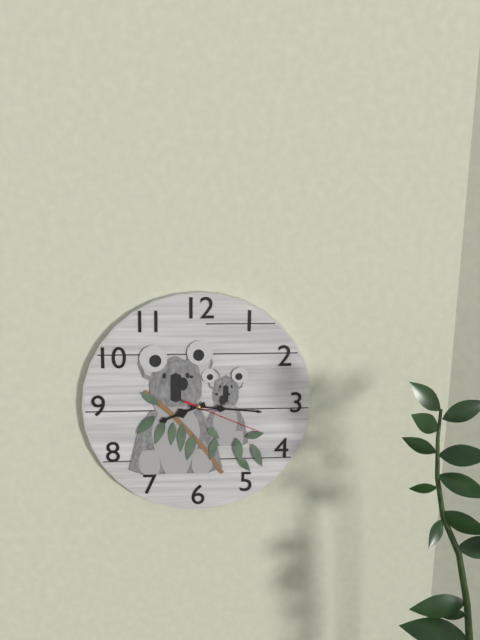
8.16.19
